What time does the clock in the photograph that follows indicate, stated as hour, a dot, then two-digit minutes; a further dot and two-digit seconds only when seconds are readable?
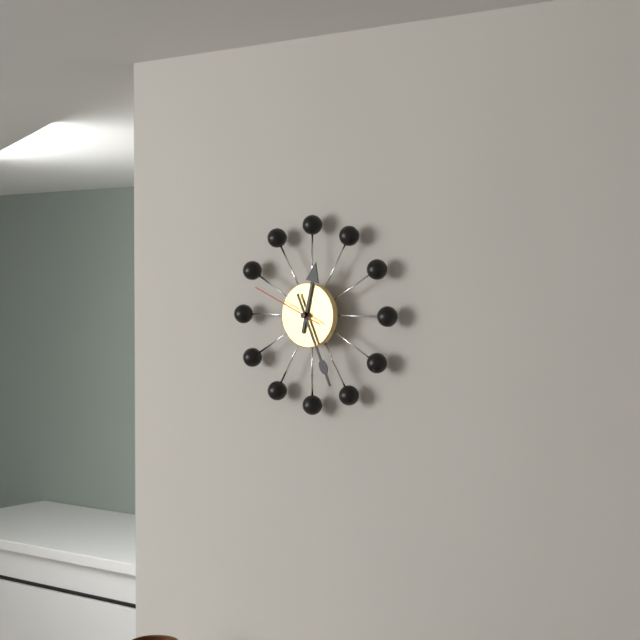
12.26.49
